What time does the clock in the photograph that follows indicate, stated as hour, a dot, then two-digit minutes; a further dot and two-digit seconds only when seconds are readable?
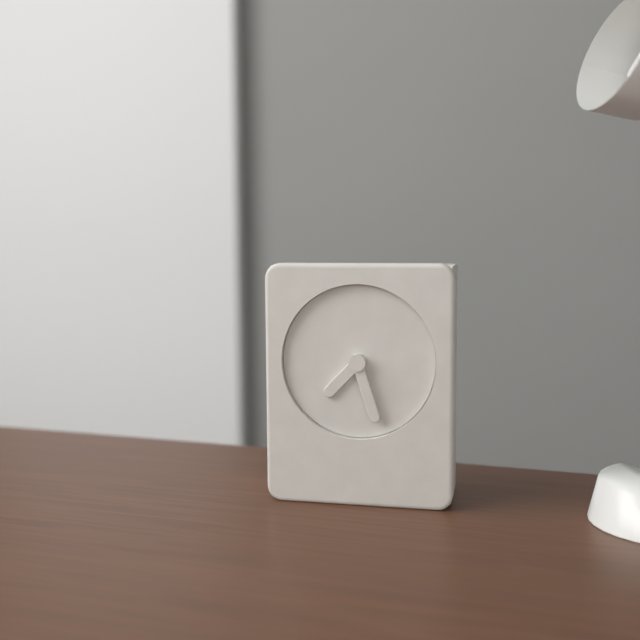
7.27
